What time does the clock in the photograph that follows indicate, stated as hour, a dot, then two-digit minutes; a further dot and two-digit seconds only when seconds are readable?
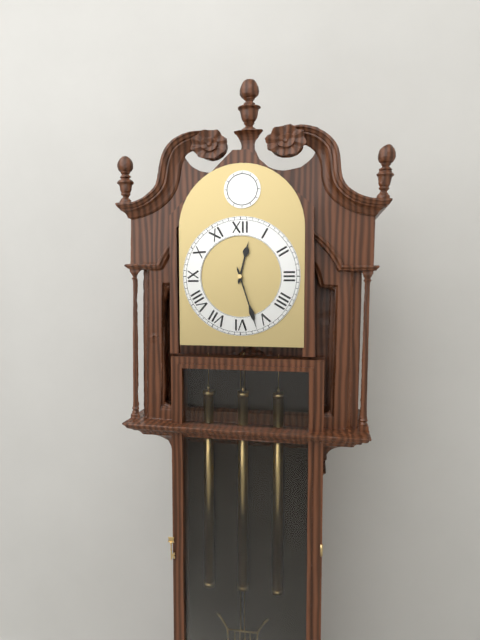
12.27
